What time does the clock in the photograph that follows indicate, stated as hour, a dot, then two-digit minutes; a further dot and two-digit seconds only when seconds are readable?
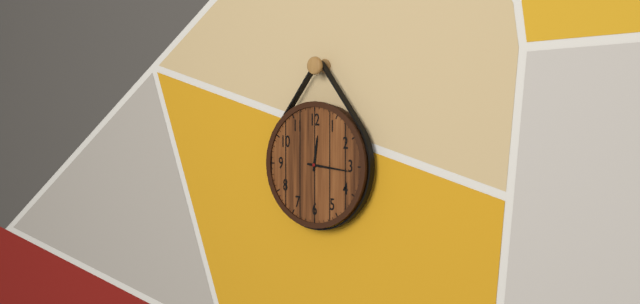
12.16
